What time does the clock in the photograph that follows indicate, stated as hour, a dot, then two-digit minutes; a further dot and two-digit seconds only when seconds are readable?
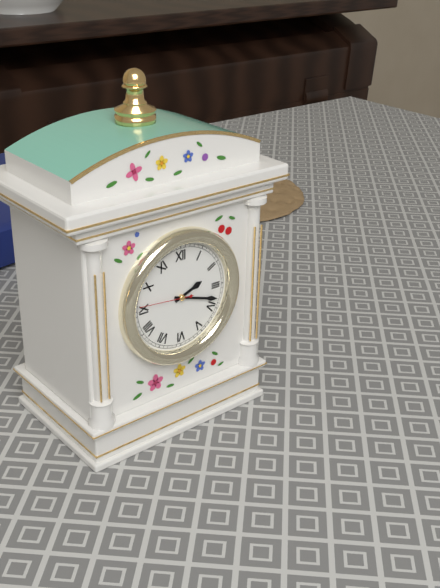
2.18.46
